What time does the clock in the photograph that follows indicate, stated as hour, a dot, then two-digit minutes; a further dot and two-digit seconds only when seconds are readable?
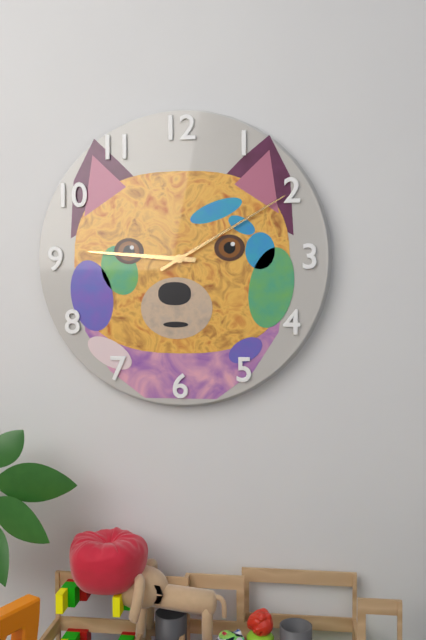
9.10
